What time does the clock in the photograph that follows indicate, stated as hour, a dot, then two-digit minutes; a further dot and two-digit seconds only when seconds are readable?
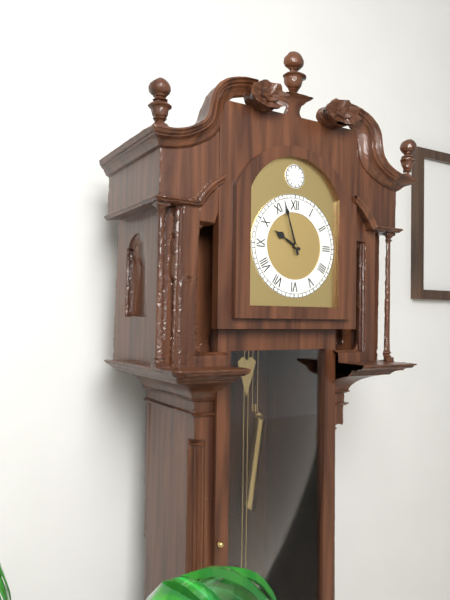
9.57
